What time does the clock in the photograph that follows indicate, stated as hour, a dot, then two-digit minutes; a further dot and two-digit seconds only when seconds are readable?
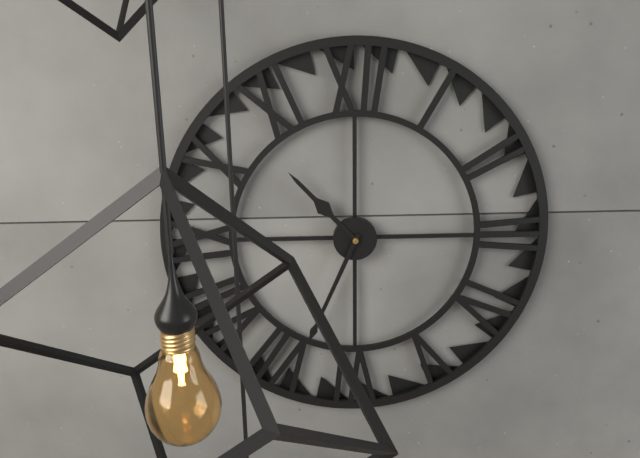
10.34
